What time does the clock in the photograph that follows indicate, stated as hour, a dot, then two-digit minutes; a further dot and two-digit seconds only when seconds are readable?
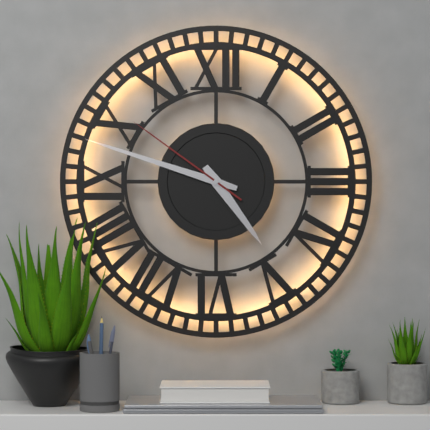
4.48.51
